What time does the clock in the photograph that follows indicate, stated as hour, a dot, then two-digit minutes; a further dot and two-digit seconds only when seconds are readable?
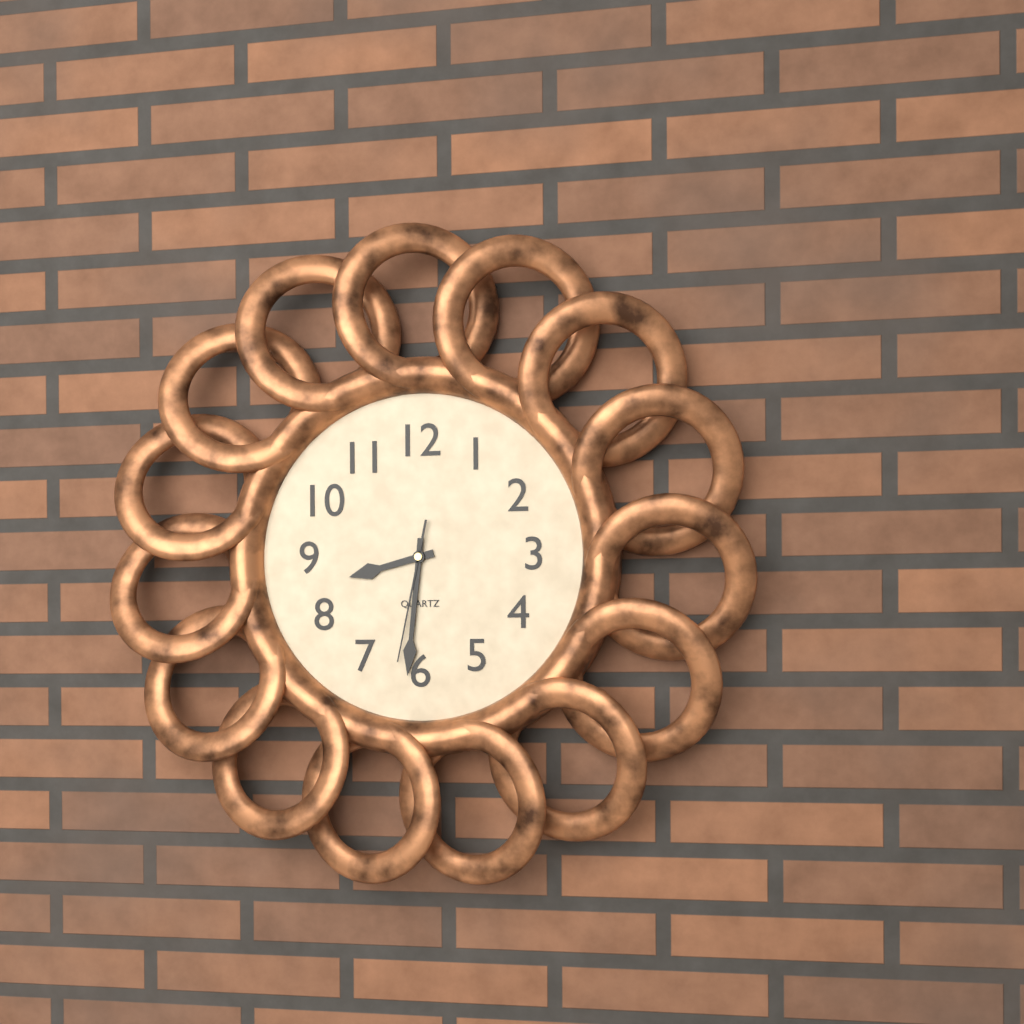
8.31.32
